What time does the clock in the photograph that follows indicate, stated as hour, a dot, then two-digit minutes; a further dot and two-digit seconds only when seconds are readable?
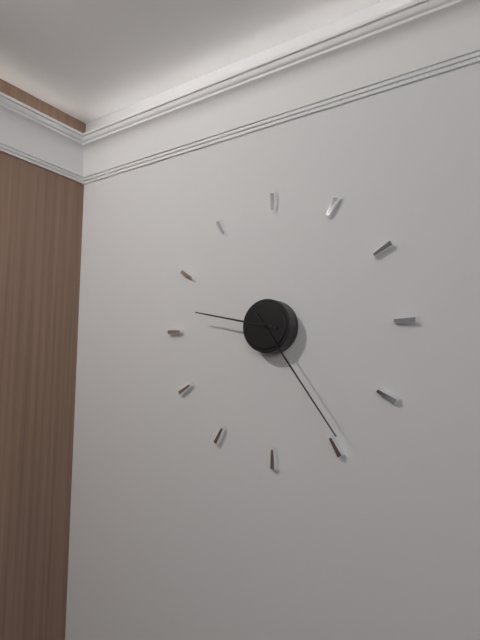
9.24
